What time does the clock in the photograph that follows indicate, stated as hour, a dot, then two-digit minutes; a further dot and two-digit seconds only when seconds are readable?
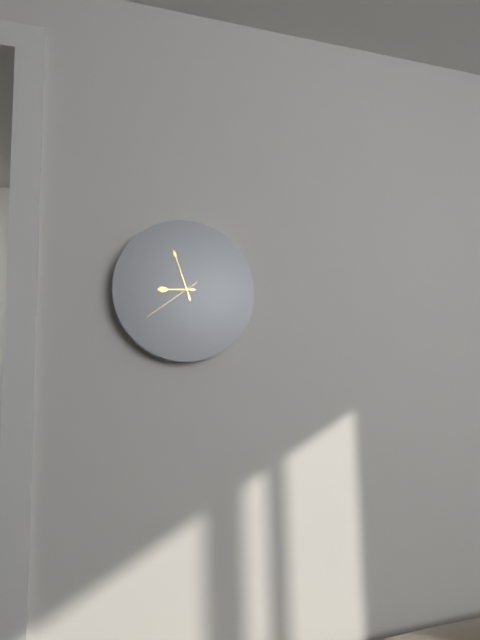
8.57.39
